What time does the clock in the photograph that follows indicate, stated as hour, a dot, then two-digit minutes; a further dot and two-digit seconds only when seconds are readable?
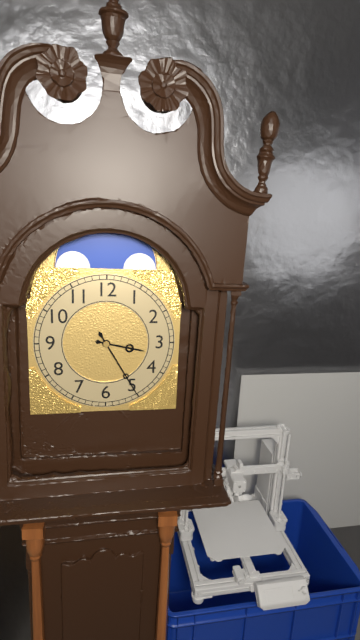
3.25
